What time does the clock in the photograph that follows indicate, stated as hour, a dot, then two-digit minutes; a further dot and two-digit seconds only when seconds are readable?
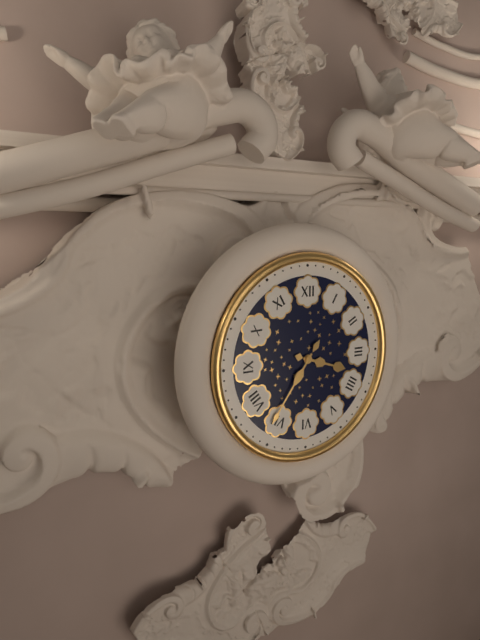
3.36
